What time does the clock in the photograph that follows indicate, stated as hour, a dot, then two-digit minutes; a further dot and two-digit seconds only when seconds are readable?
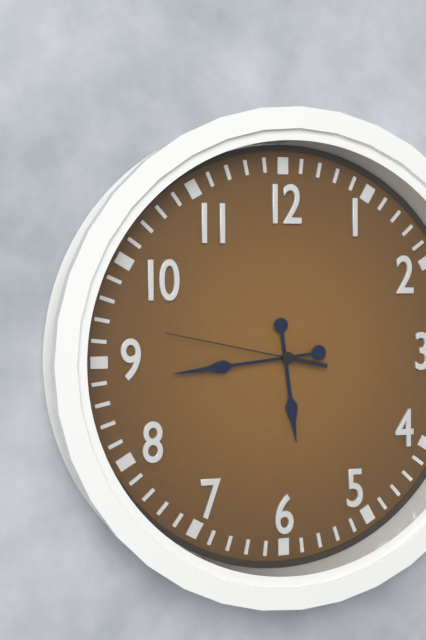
5.44.47
